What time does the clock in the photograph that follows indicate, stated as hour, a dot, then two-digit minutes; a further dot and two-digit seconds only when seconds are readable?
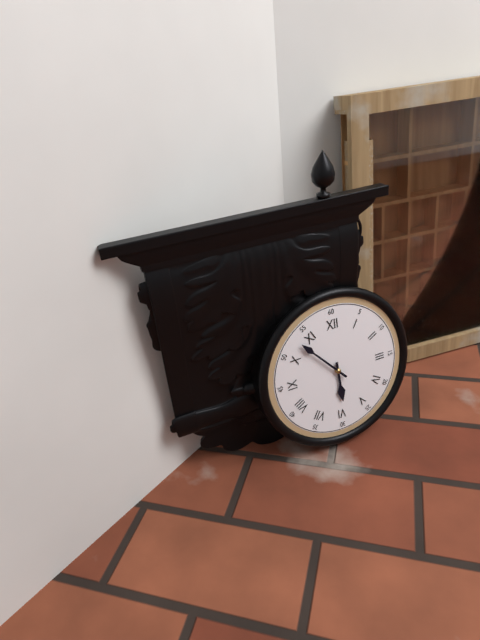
5.53
